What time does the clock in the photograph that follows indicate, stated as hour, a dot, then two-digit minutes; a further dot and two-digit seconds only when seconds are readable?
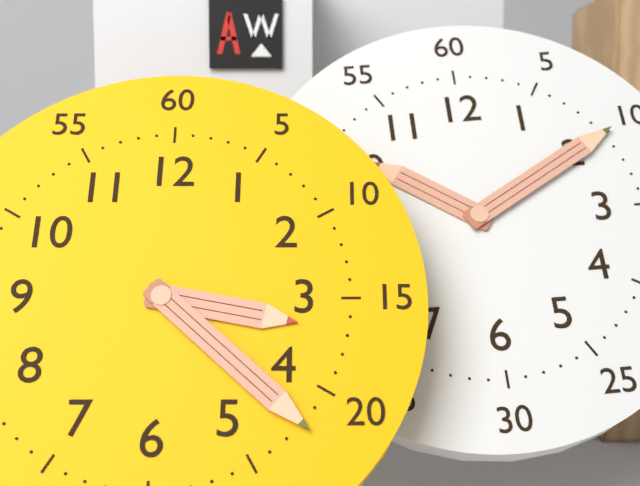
3.22
